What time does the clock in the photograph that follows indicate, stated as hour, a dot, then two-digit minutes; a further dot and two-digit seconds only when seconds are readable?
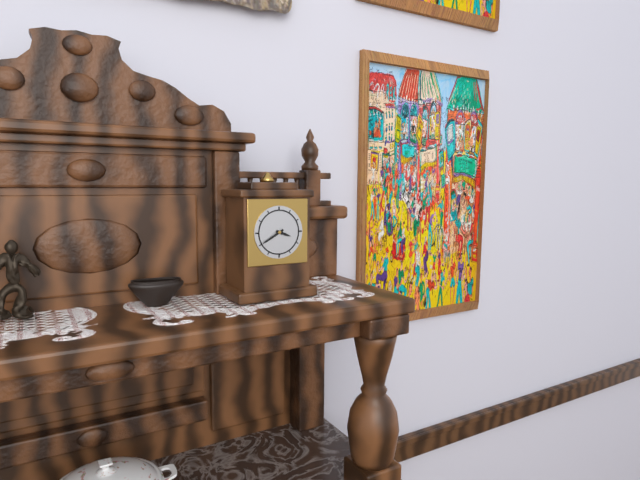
3.40
